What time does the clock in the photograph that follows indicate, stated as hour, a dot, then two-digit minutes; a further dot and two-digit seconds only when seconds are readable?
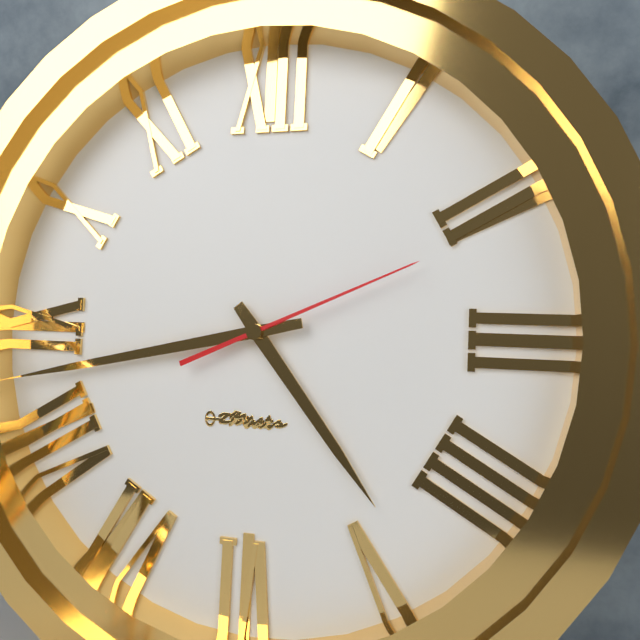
4.43.11
